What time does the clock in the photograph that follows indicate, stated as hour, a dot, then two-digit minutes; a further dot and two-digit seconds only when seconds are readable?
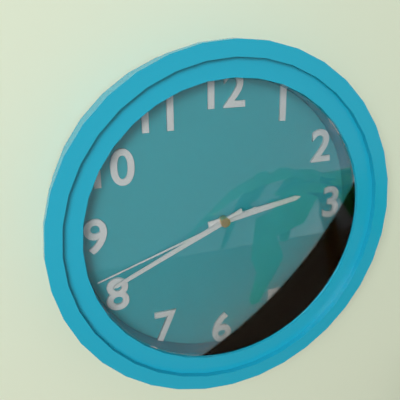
2.41.42
